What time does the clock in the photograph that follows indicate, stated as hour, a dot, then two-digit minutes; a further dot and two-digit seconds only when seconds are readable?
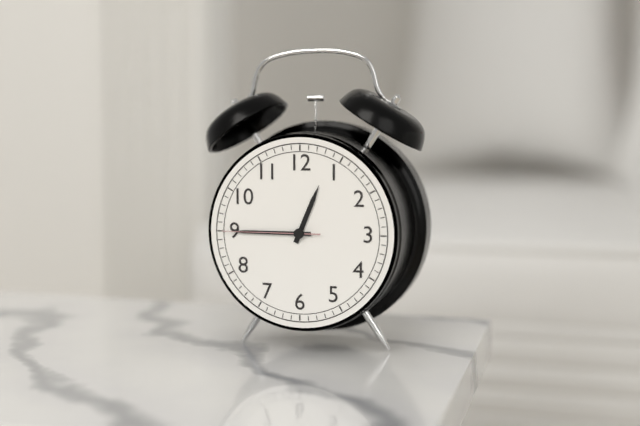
12.45.45
